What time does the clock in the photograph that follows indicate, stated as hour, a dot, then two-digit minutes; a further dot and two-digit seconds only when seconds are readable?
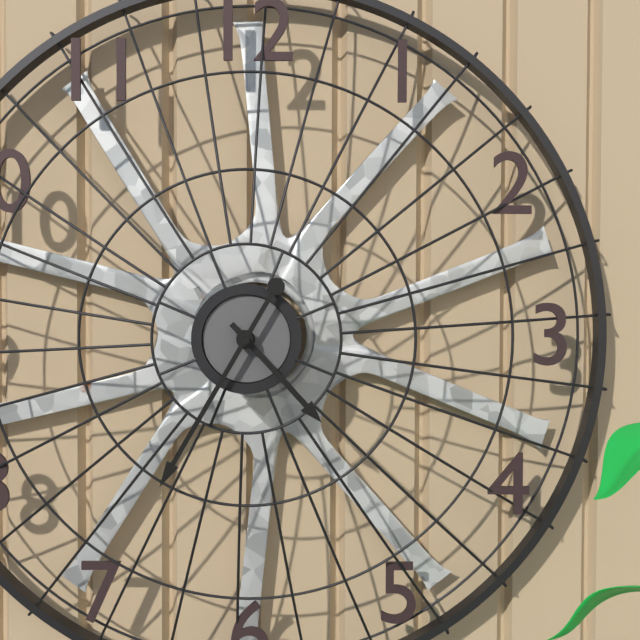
4.35
